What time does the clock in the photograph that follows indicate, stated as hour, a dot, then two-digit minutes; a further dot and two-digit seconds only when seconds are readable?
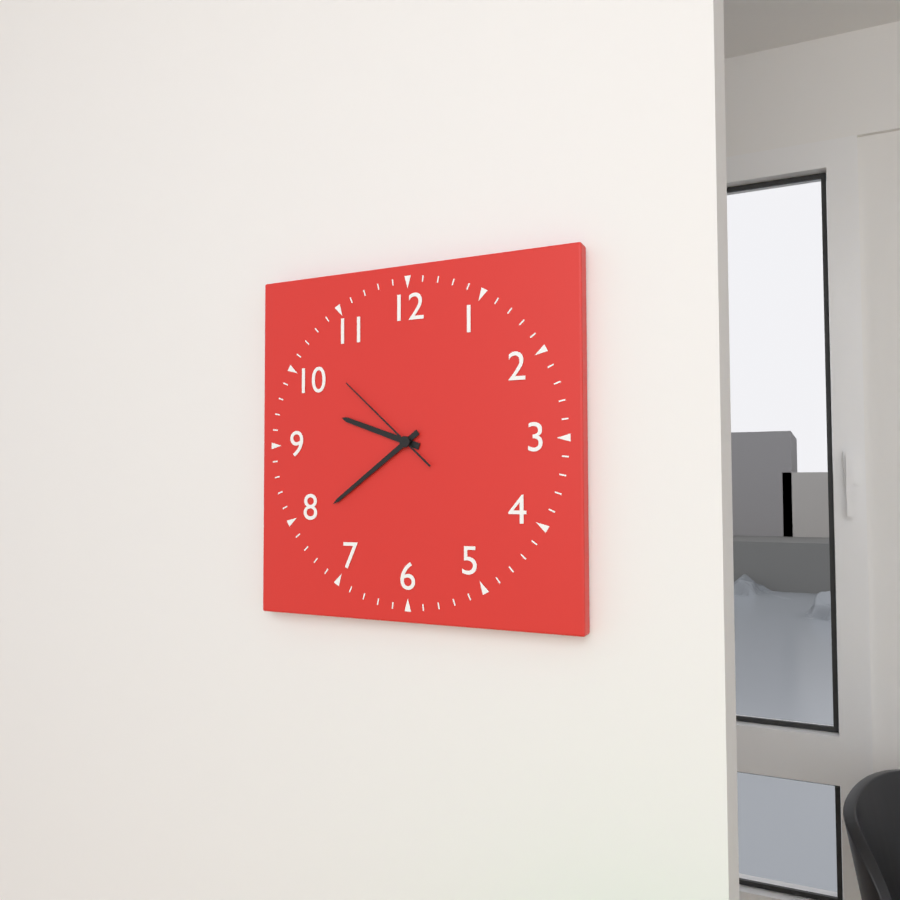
9.39.52
